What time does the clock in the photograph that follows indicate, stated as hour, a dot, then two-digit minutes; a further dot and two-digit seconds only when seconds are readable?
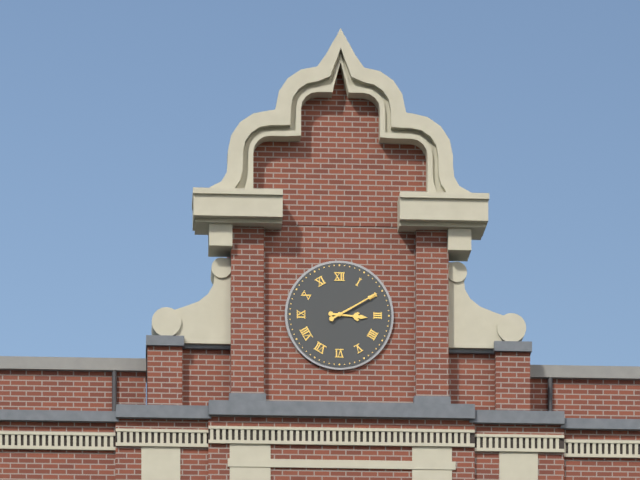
3.10
